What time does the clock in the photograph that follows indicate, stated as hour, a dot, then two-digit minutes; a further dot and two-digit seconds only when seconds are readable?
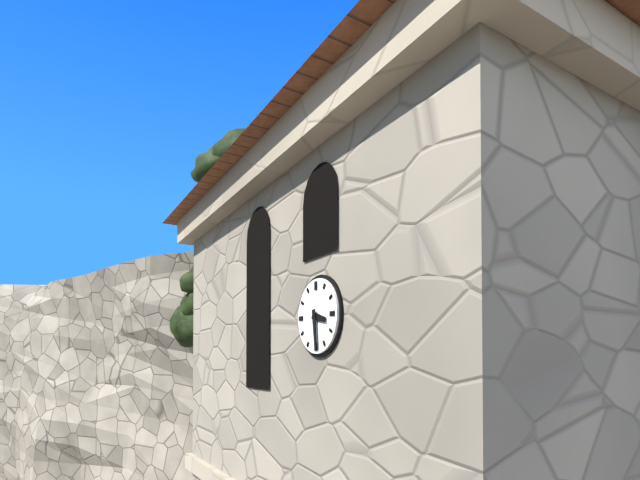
3.29
